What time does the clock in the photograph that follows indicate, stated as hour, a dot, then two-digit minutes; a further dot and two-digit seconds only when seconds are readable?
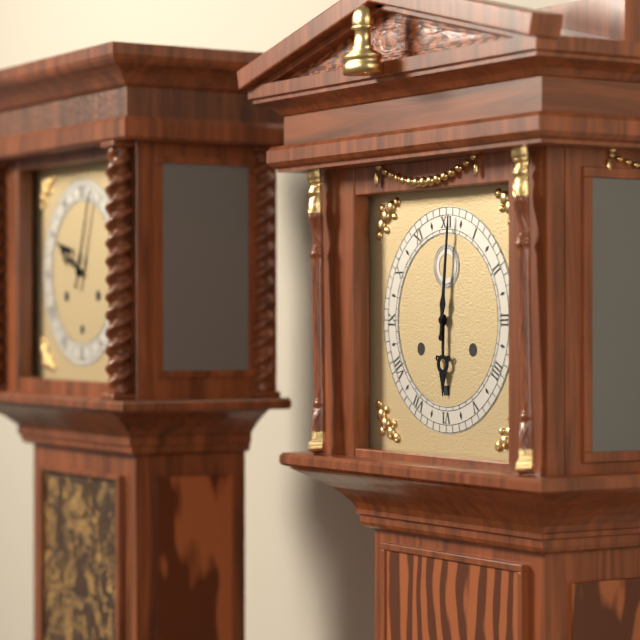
6.01
